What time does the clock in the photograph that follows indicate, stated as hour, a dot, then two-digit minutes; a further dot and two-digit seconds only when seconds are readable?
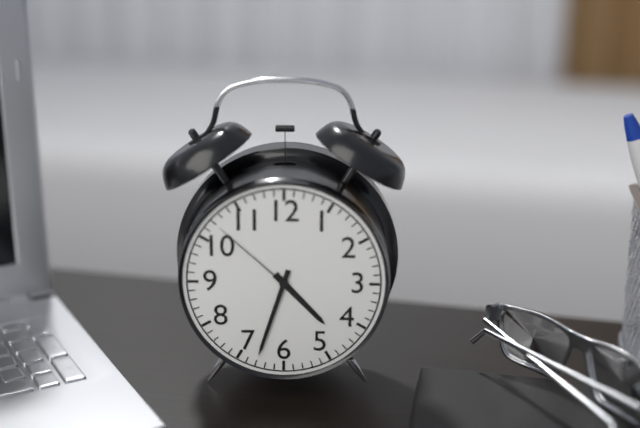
4.33.52
